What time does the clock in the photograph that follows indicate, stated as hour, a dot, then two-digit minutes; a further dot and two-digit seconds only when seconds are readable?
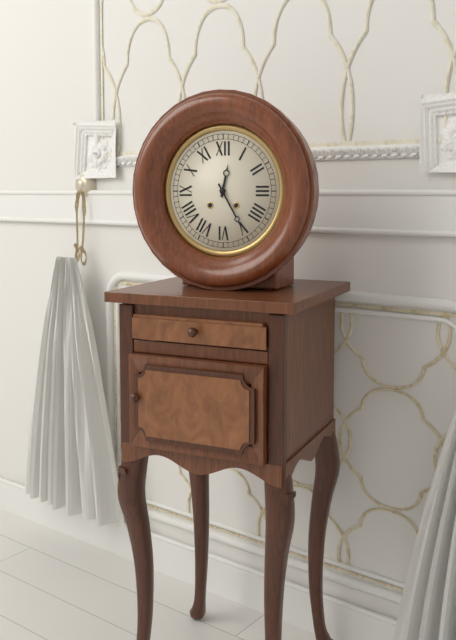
12.25
